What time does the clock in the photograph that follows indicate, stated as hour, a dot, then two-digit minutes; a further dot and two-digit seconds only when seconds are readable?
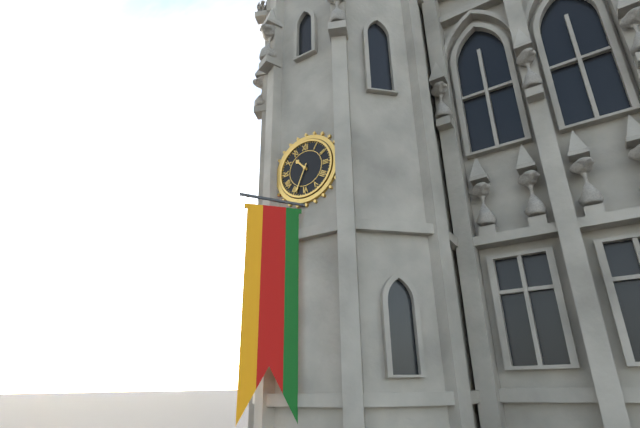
10.34
